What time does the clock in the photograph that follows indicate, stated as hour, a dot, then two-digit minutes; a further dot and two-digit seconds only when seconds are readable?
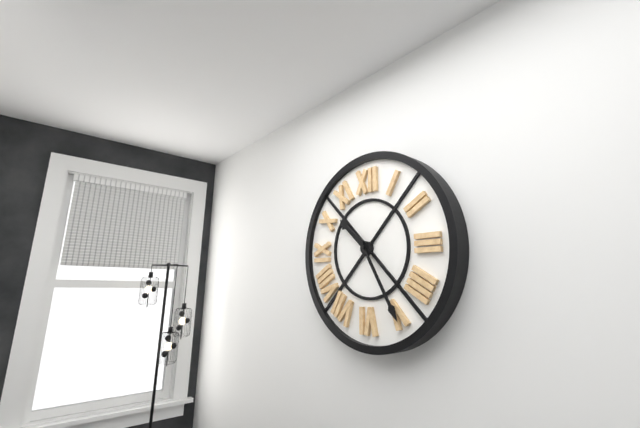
10.25
